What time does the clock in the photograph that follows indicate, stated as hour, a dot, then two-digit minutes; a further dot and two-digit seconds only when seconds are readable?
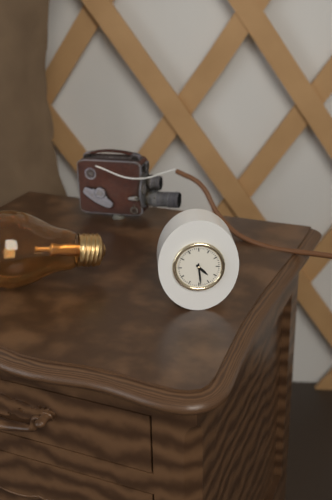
4.29
